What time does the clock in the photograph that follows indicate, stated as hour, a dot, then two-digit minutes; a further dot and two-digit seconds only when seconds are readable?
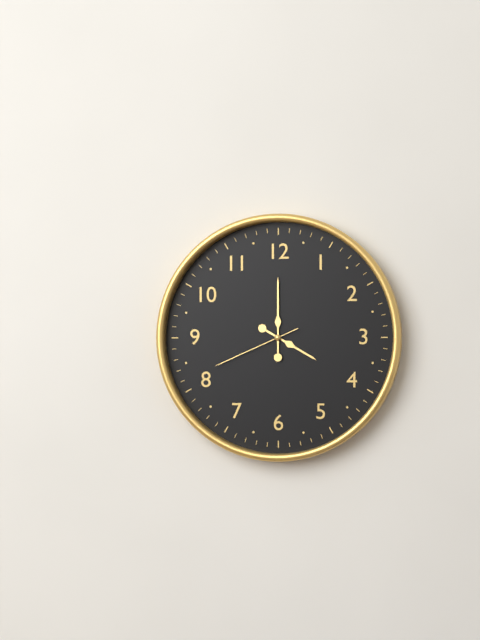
4.00.41
